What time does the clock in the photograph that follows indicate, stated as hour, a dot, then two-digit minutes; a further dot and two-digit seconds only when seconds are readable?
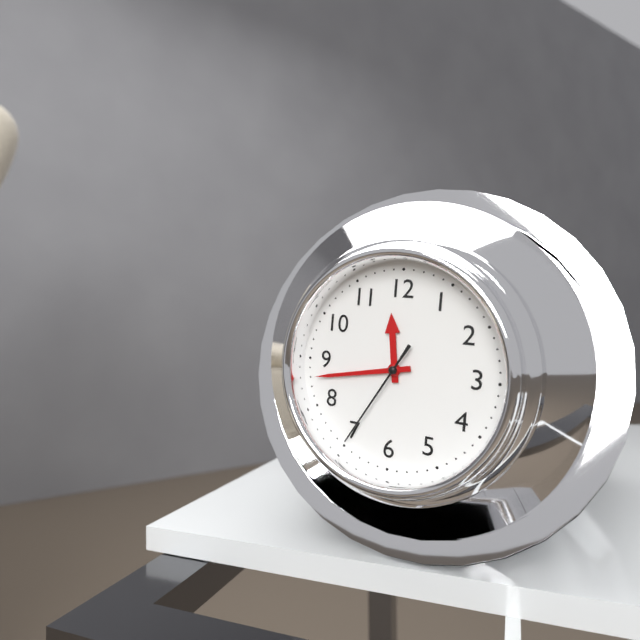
11.43.35
